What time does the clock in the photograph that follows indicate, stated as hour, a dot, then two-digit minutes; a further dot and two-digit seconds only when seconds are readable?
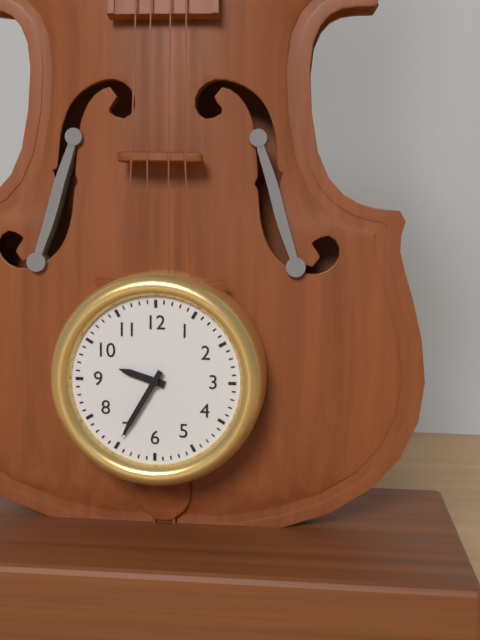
9.35
